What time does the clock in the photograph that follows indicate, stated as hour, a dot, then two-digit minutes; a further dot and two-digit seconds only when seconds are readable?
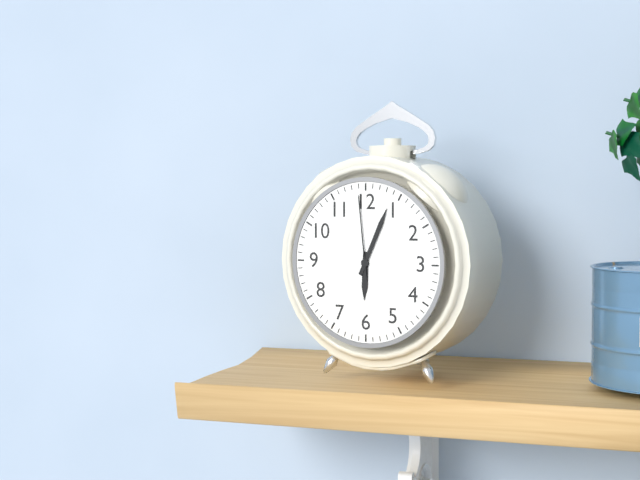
6.04.59
